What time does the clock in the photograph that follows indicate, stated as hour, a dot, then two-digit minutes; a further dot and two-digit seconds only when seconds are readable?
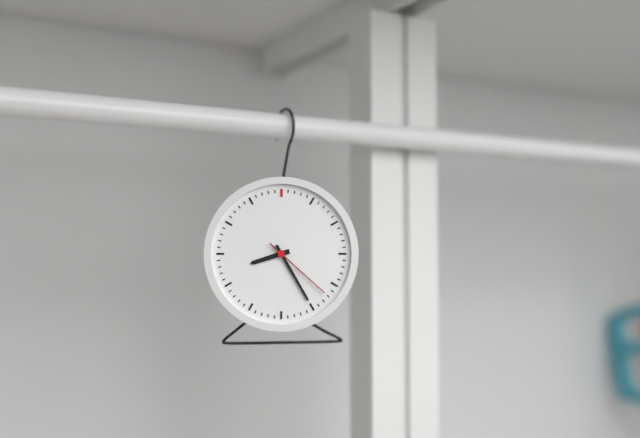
8.25.22
